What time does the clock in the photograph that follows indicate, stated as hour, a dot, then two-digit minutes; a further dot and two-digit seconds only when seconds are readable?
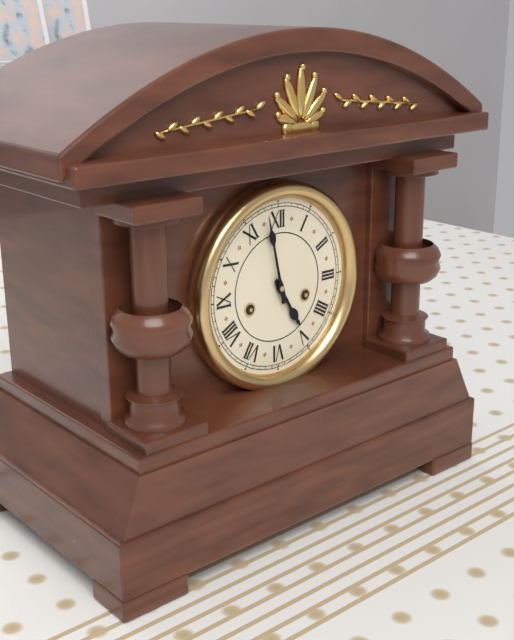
4.58
